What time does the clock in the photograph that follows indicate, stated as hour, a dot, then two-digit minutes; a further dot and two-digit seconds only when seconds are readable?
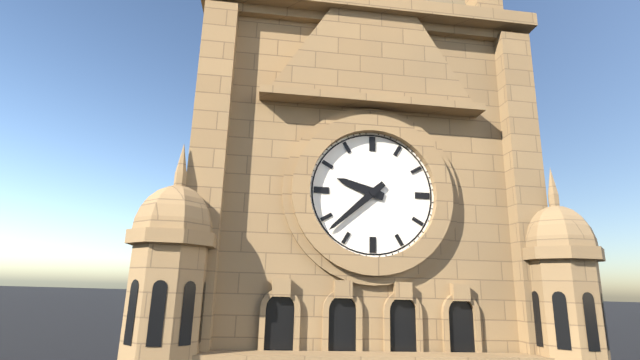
9.38
